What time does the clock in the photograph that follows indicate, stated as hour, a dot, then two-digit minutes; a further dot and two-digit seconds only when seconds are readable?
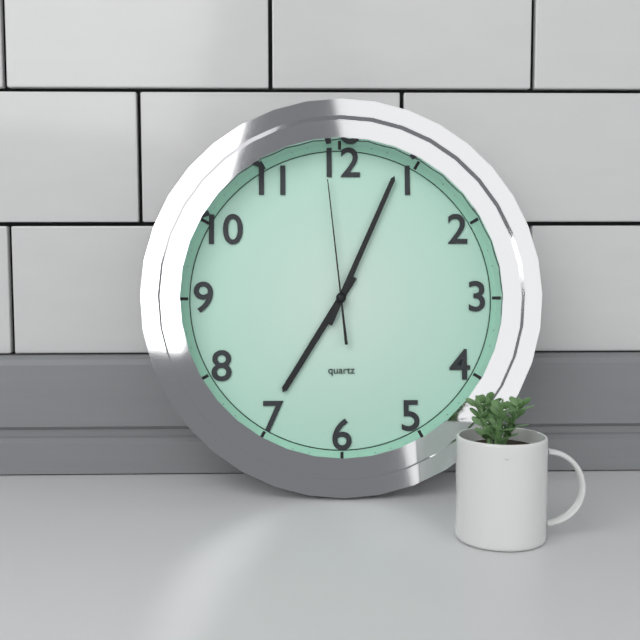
7.04.59
